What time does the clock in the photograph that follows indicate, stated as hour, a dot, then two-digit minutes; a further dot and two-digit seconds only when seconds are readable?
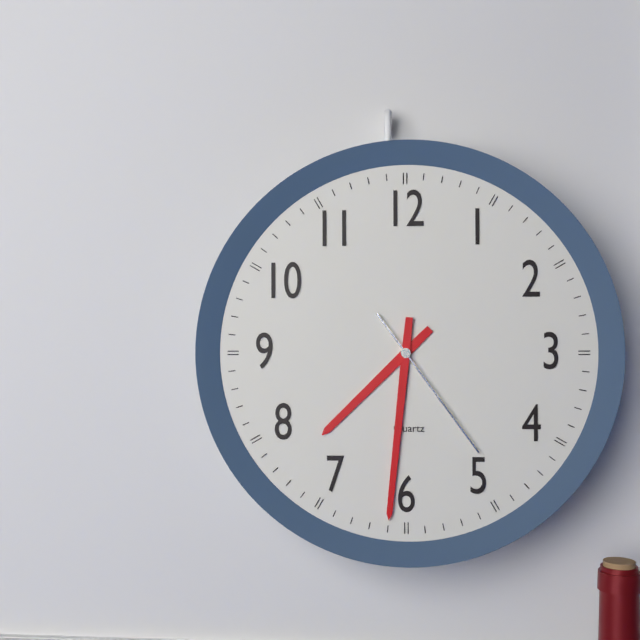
7.31.24
